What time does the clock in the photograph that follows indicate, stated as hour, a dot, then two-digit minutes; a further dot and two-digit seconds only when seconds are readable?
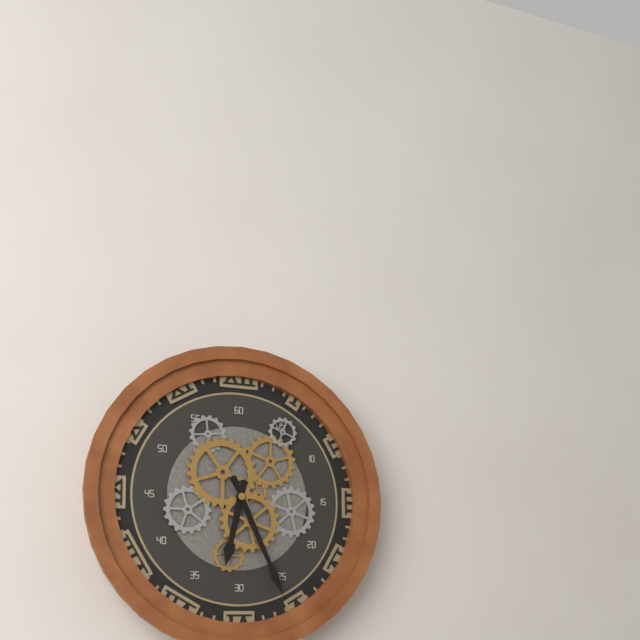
6.26
